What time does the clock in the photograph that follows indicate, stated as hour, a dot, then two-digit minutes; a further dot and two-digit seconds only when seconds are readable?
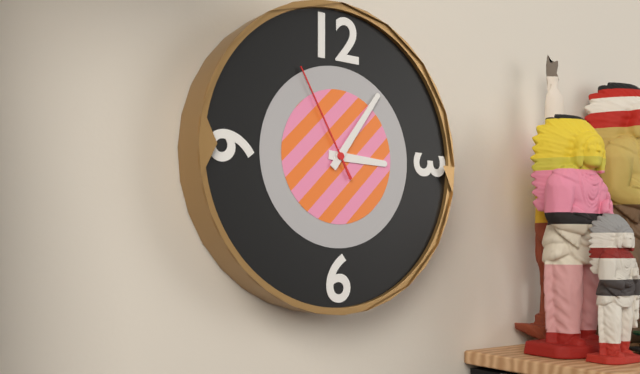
3.06.55
